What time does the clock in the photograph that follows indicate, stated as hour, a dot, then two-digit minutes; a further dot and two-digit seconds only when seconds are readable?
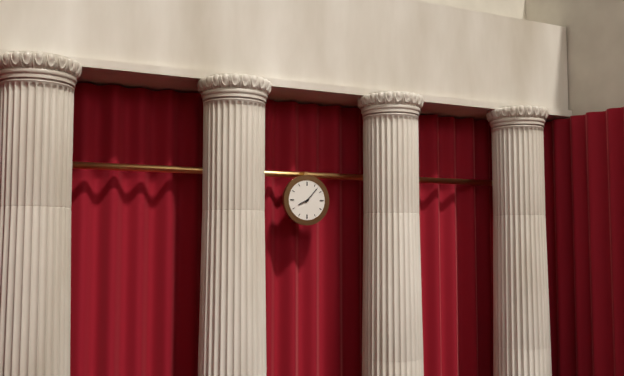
8.07
